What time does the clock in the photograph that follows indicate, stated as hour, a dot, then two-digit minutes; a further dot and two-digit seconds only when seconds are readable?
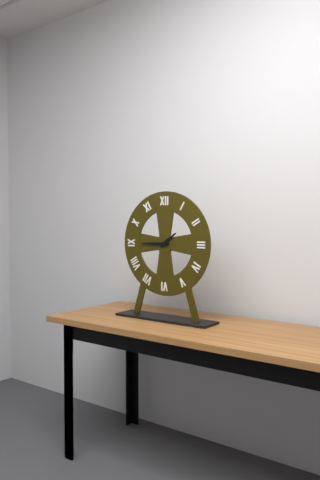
1.45
